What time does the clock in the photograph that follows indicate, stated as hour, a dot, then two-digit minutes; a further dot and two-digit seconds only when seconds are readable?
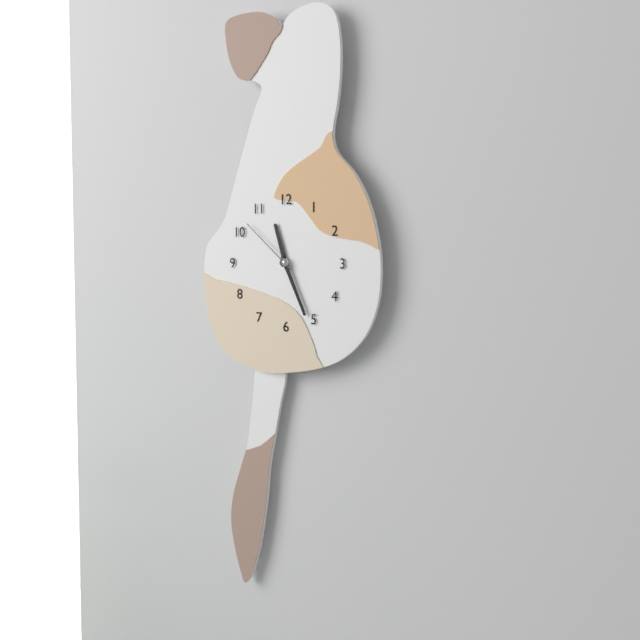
11.26.52
